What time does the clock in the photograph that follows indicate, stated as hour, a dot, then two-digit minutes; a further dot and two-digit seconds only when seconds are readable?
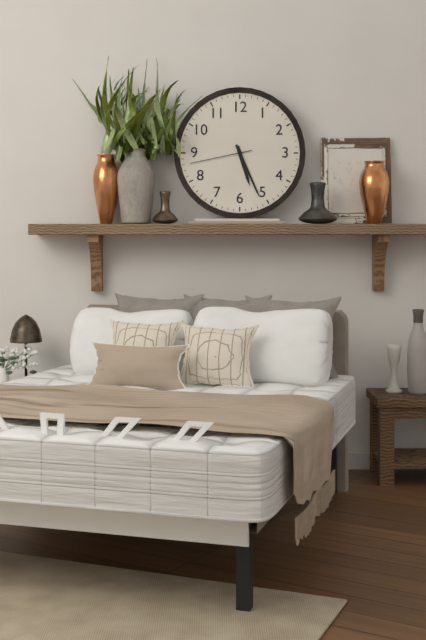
5.26.43
